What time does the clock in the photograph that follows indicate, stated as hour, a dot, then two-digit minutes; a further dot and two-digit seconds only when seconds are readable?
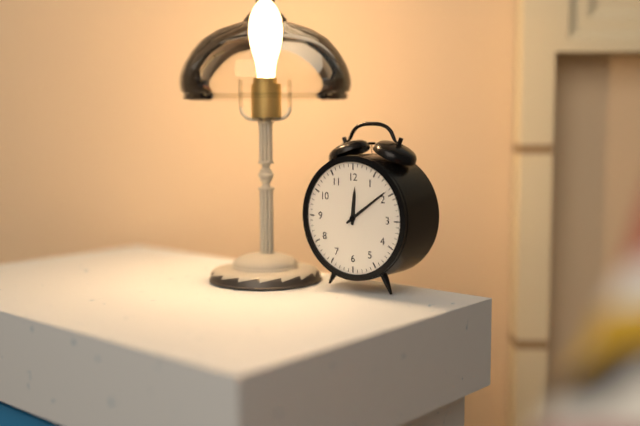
12.09
